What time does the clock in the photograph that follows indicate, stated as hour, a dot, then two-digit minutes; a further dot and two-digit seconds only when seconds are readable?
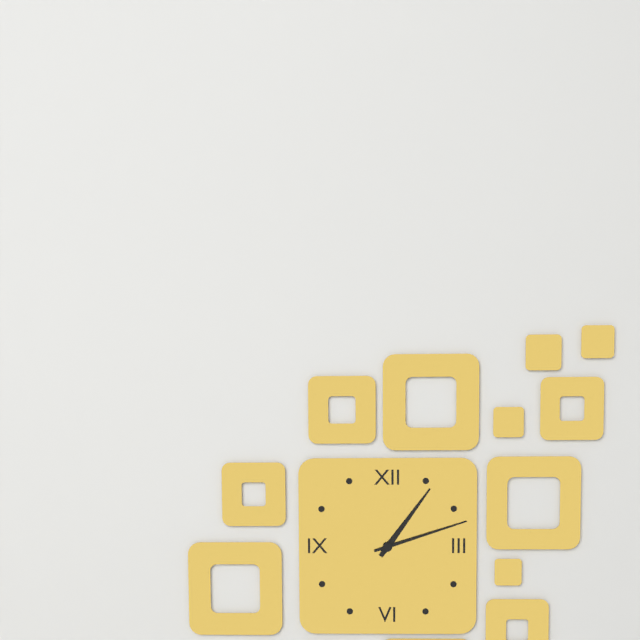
1.12
